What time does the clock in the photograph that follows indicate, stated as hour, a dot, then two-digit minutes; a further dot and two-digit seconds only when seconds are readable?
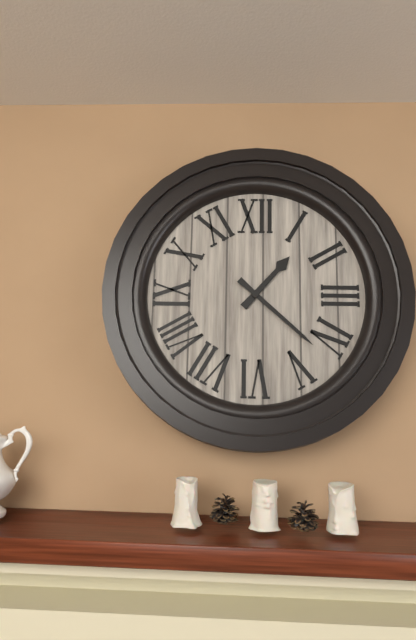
1.22
